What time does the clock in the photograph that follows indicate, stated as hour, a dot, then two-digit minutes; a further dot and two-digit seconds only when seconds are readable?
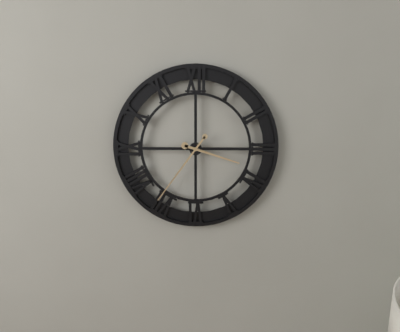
3.36
